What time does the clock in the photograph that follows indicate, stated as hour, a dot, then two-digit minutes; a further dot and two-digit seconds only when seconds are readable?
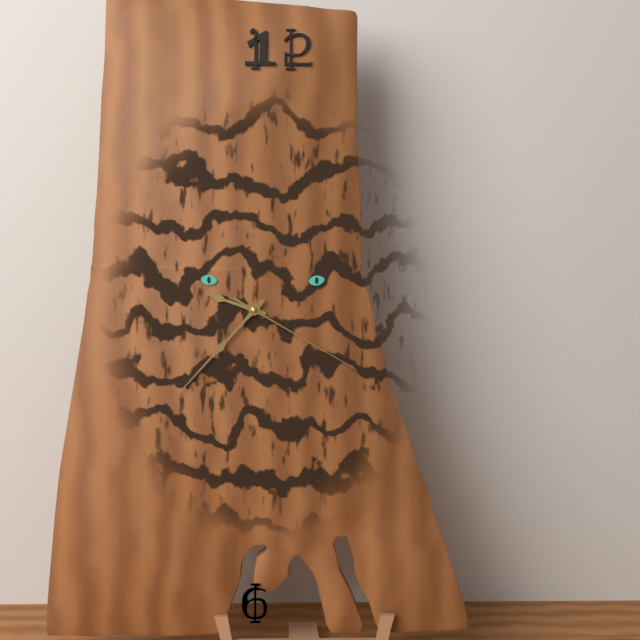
9.37.20
